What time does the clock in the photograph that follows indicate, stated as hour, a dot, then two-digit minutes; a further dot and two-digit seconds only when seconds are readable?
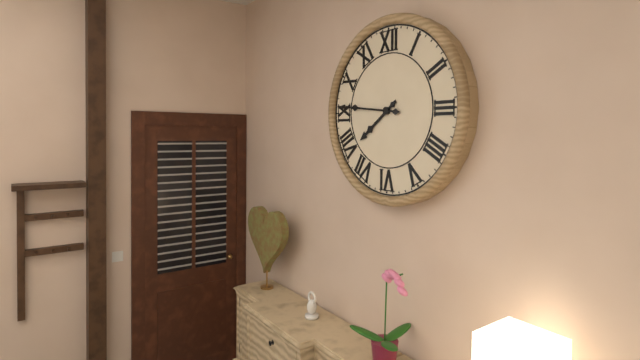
7.46
